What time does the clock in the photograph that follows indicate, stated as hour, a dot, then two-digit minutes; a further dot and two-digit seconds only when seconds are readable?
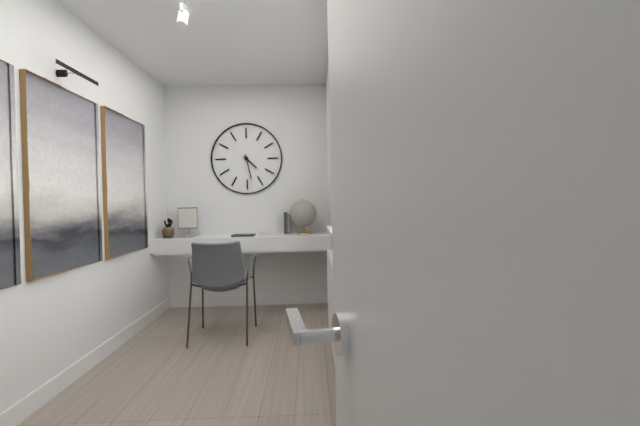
4.28
